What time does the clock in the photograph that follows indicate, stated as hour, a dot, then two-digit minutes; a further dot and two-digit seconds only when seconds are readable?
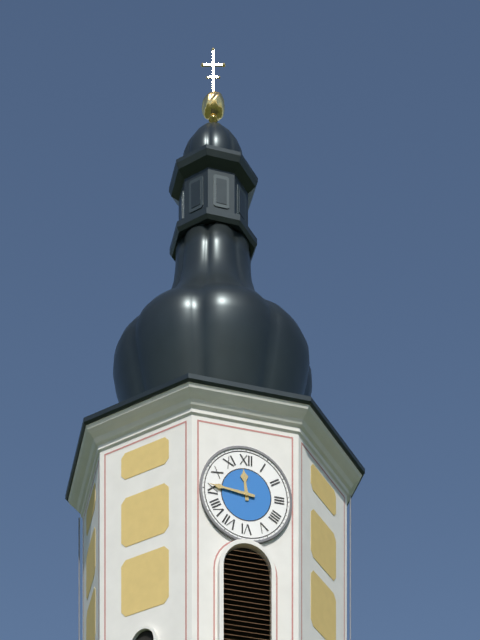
11.46
